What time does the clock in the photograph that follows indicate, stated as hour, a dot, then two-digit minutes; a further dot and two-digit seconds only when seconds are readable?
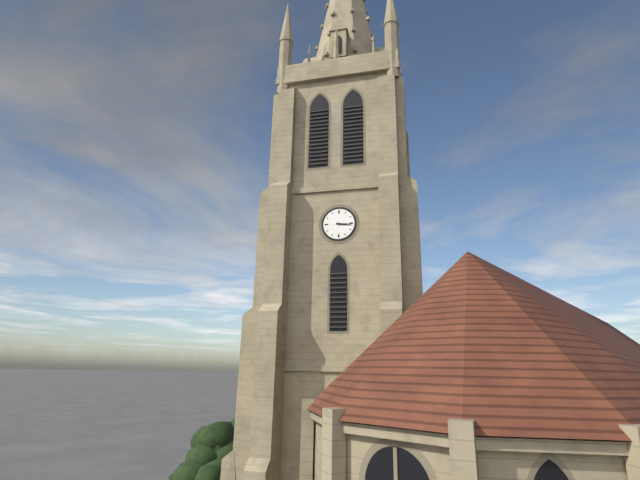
3.16
